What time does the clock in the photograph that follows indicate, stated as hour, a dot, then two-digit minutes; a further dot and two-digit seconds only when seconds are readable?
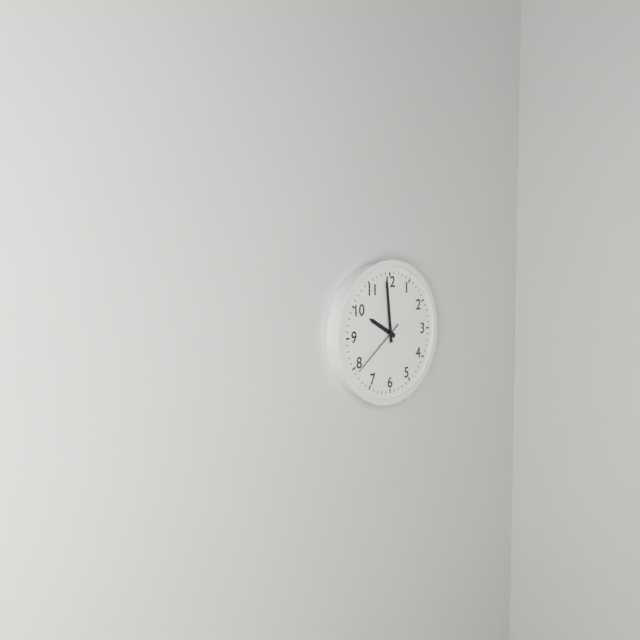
9.59.39
